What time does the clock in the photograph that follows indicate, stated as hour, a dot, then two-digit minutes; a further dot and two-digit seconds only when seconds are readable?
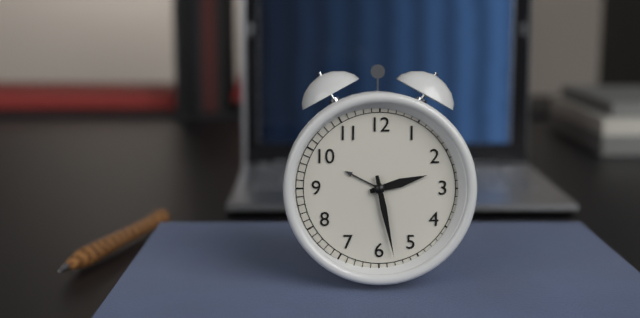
2.28
